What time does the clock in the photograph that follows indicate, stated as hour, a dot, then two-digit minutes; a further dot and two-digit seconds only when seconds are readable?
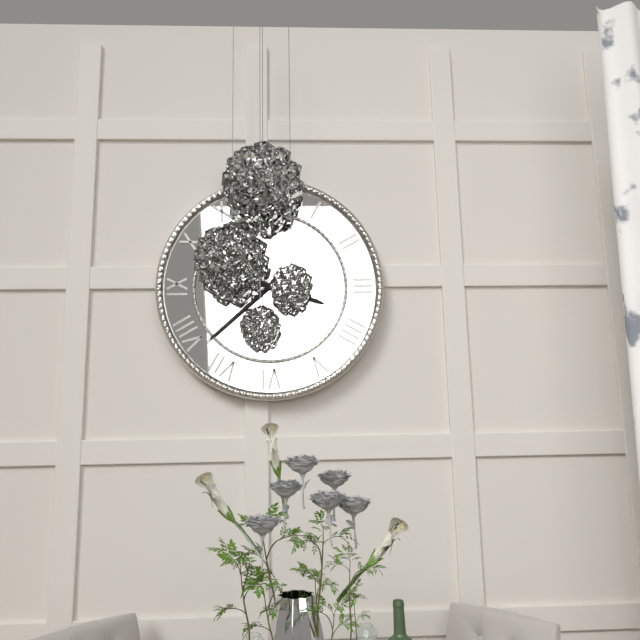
3.38
